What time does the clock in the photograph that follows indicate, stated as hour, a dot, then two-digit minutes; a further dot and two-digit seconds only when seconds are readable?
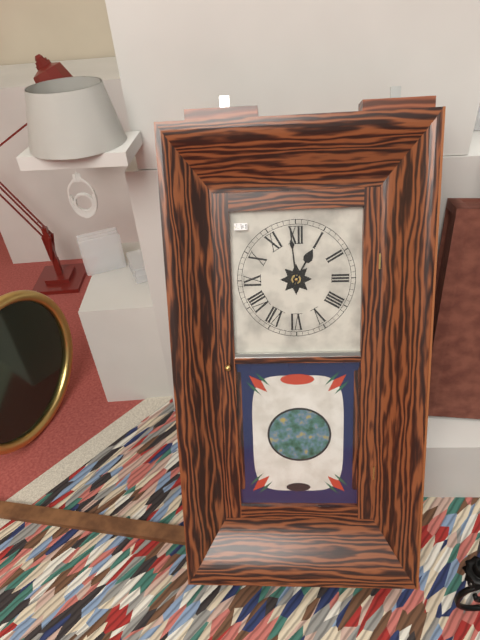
12.59
